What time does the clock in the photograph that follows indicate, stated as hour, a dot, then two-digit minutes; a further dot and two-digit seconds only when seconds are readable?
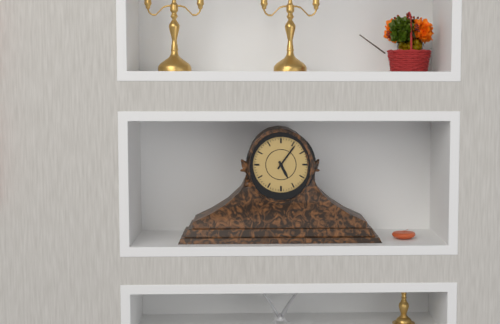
5.06
